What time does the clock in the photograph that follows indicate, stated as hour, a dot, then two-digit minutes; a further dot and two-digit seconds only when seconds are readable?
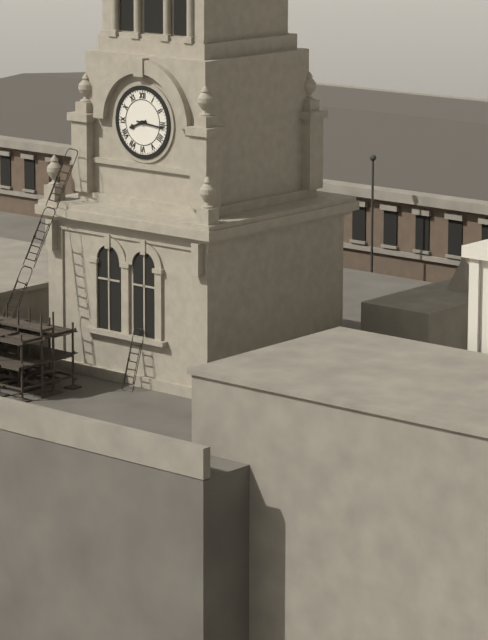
8.16
